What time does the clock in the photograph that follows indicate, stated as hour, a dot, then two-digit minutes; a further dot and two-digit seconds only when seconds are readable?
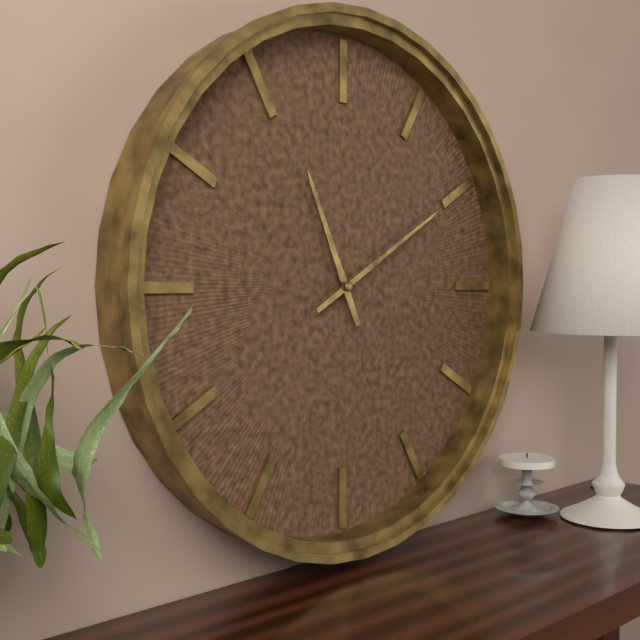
11.10
